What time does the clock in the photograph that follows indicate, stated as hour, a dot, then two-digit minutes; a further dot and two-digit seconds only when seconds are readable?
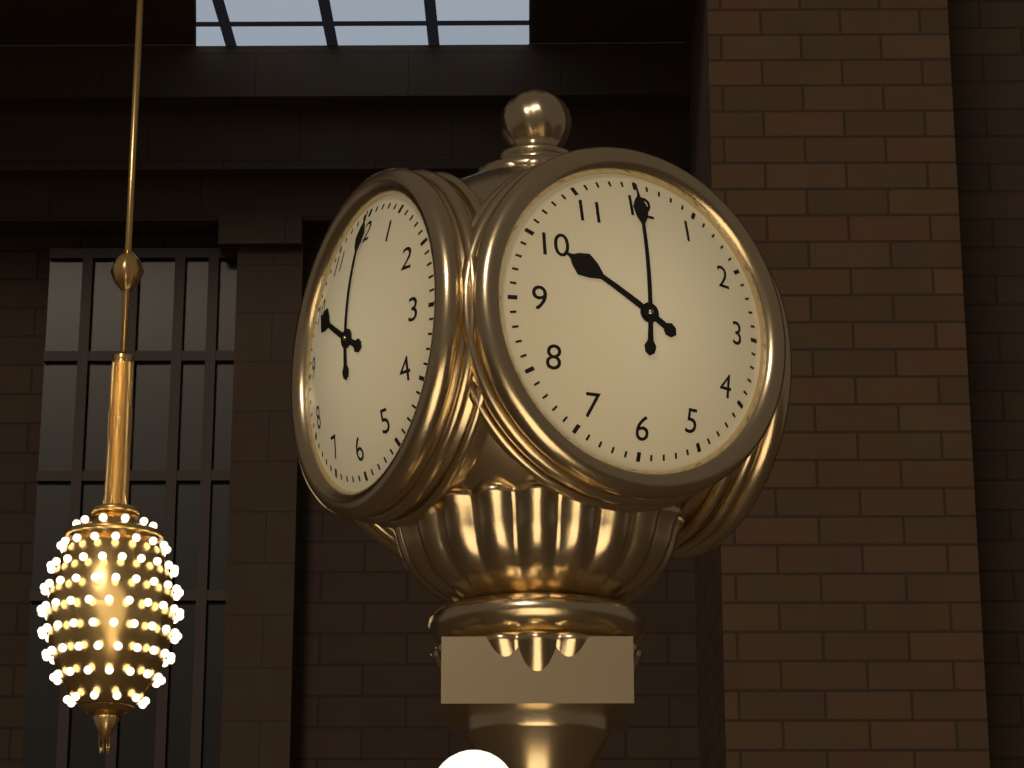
10.00
